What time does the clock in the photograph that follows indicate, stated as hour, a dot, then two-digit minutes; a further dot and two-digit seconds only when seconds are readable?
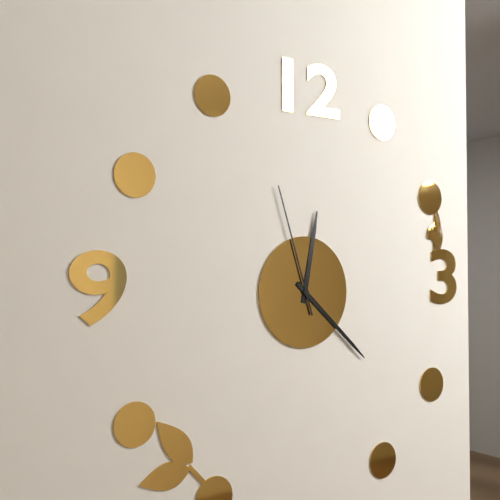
12.22.57
